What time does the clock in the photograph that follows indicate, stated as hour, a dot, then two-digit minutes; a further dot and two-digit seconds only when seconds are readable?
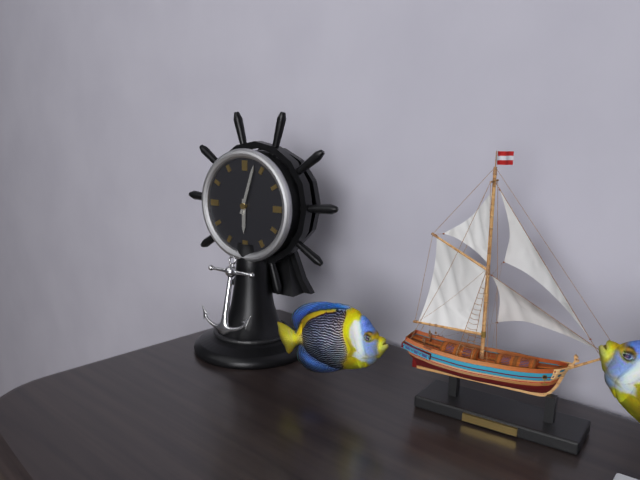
6.03
